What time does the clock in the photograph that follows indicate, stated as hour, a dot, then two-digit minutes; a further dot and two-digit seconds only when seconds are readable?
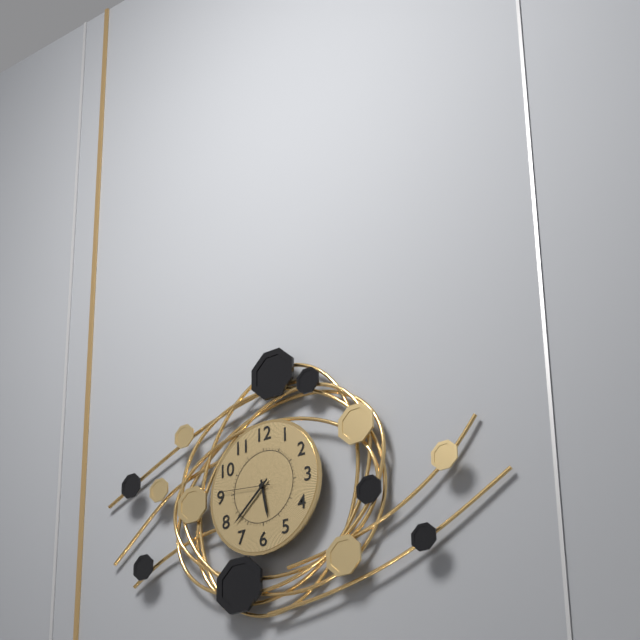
5.38
